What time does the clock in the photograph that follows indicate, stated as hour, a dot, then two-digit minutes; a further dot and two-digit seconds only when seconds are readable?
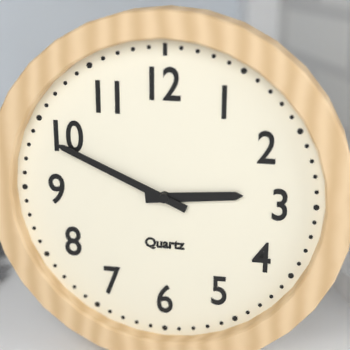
2.49
